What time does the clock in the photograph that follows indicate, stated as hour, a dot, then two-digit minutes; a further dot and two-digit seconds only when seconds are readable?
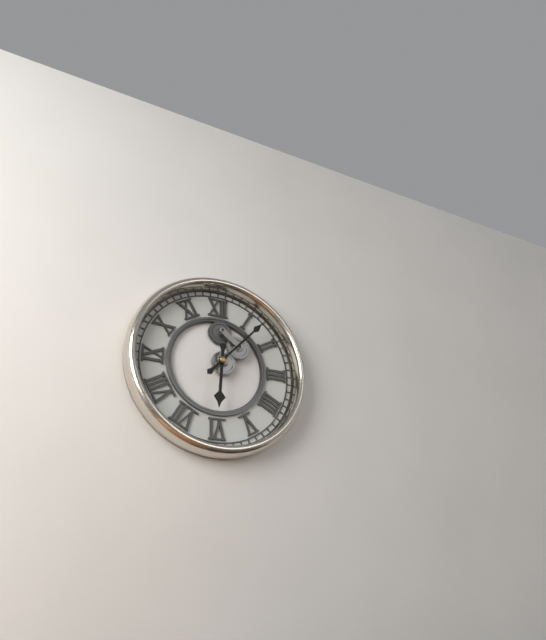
6.07
